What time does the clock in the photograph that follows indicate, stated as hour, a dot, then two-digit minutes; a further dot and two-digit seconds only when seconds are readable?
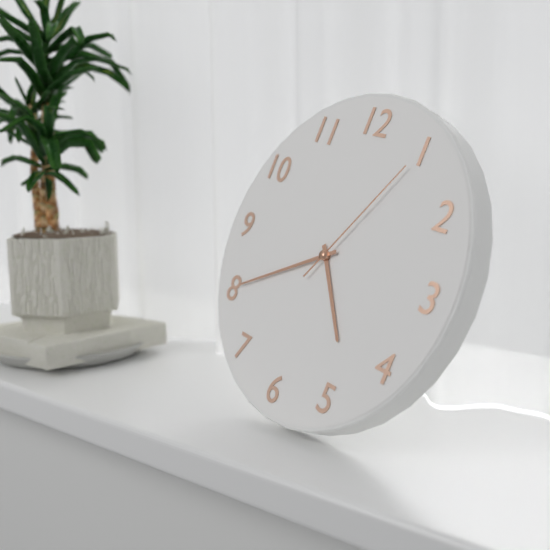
4.40.05
